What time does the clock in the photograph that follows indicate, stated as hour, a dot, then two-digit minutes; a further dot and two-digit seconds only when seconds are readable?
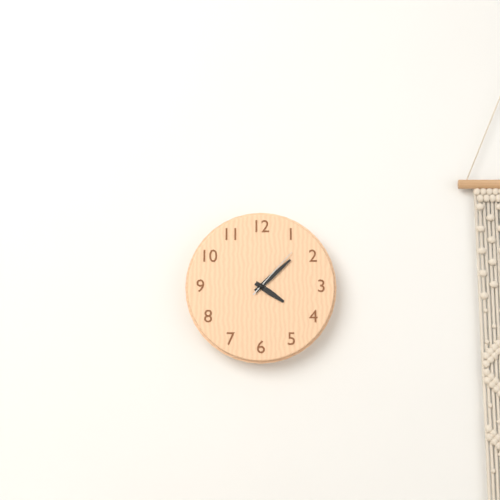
4.08.07
